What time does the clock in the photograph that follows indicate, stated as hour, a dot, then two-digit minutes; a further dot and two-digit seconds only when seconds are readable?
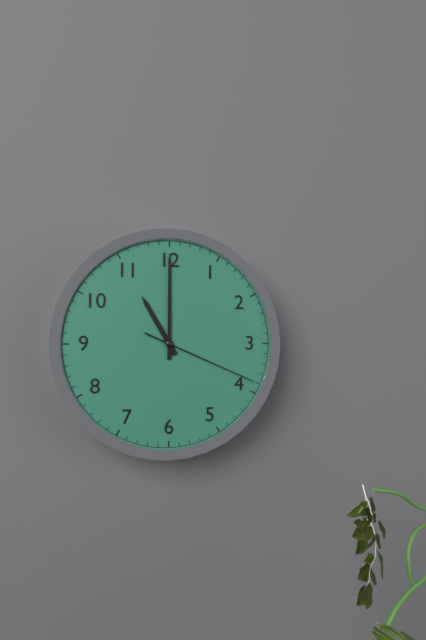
11.00.19
